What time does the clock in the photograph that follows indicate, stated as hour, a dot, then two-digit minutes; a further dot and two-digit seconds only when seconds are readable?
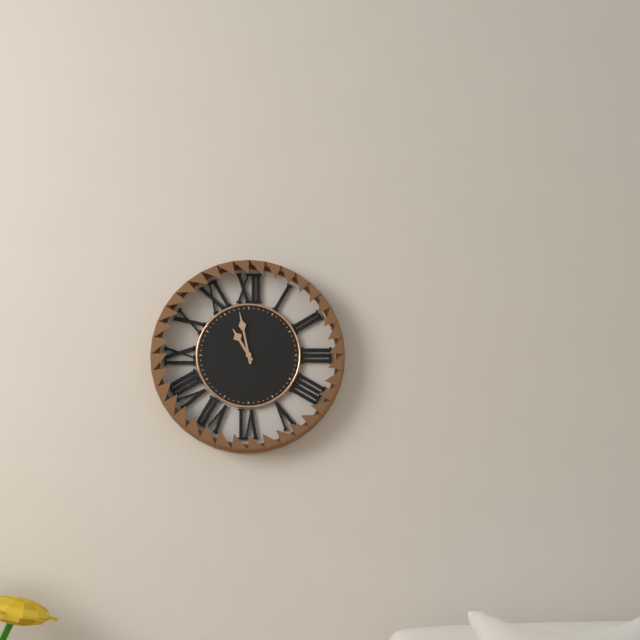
10.58
